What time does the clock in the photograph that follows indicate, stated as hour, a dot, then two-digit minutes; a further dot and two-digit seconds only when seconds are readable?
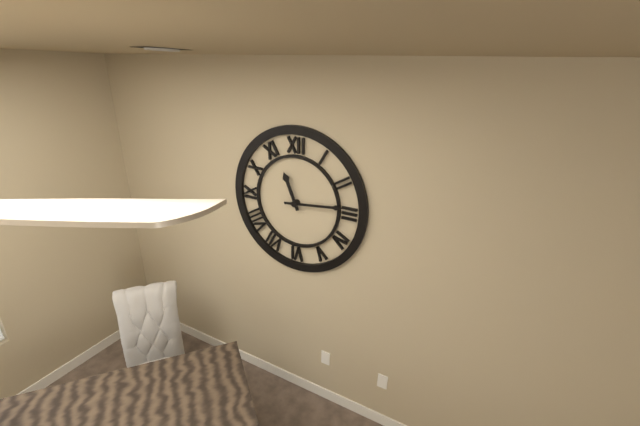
11.14
